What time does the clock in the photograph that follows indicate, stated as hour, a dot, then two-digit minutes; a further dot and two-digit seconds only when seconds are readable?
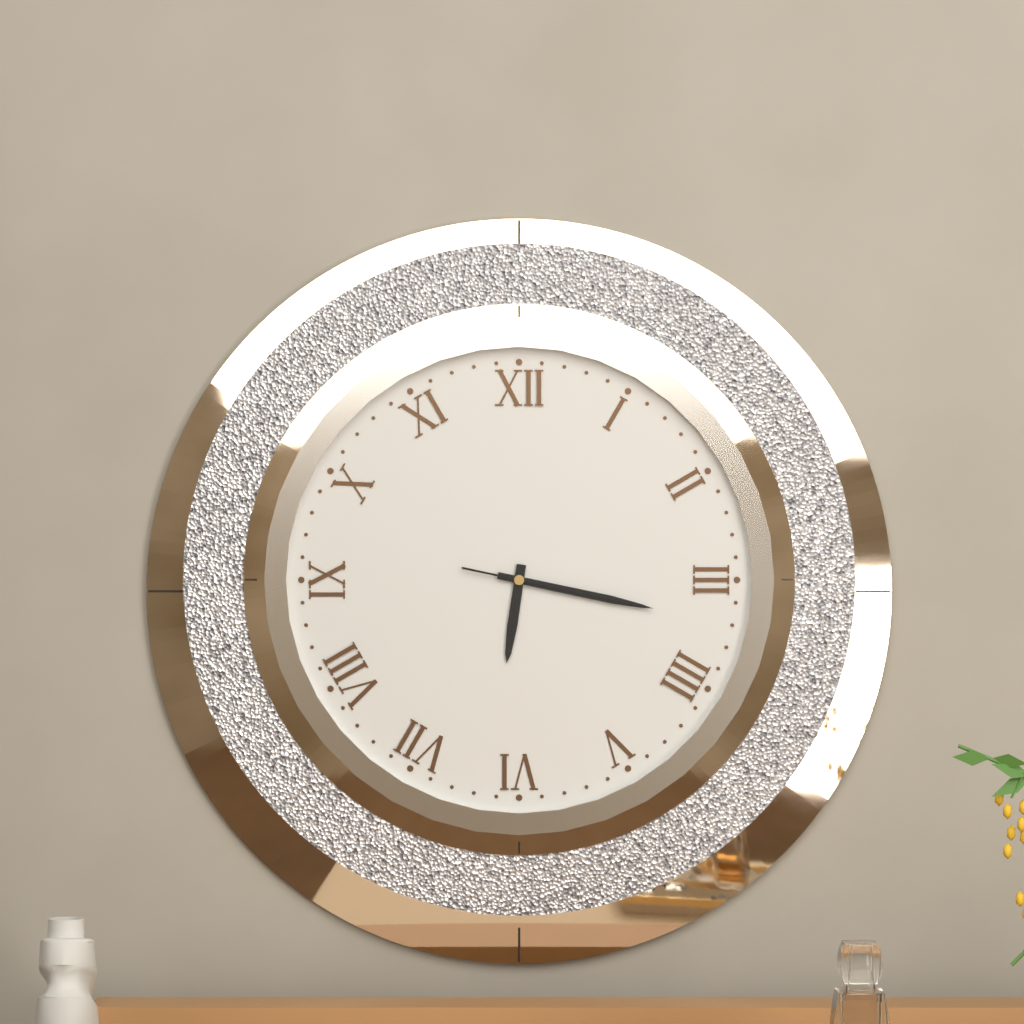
6.17.17
